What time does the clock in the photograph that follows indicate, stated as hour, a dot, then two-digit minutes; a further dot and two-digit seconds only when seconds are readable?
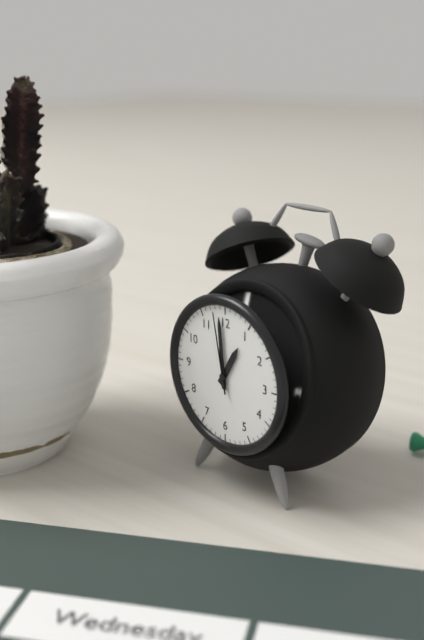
12.59.58
